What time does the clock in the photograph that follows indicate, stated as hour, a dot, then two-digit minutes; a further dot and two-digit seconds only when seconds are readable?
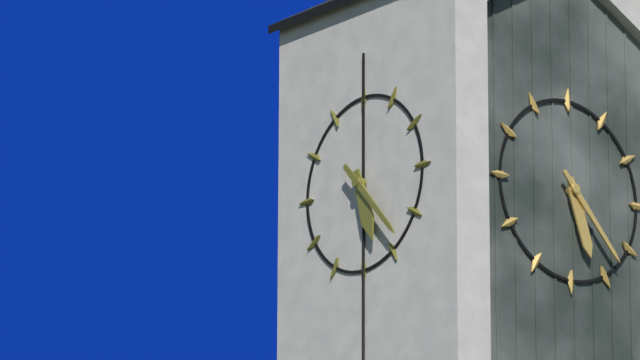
5.23
